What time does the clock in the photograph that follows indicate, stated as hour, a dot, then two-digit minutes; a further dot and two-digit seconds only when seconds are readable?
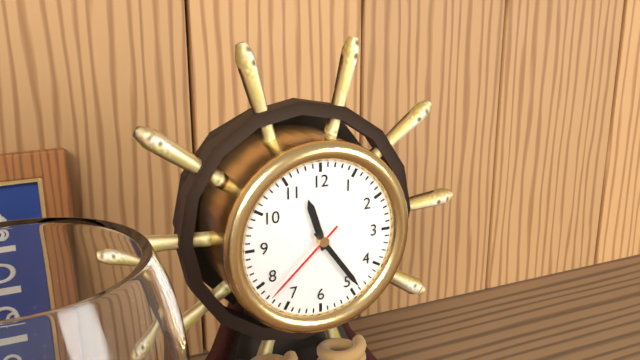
11.24.38
